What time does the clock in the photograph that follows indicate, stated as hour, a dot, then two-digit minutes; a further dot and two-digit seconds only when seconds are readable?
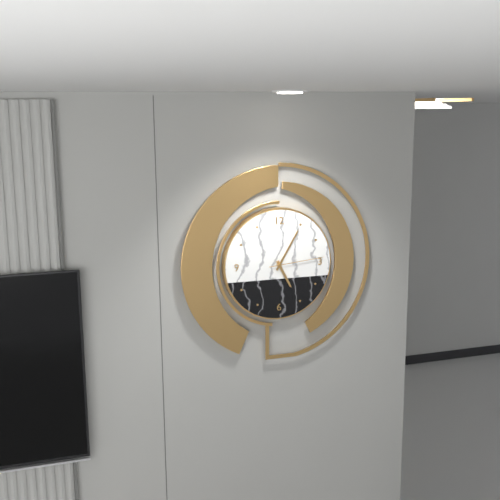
5.05.14
